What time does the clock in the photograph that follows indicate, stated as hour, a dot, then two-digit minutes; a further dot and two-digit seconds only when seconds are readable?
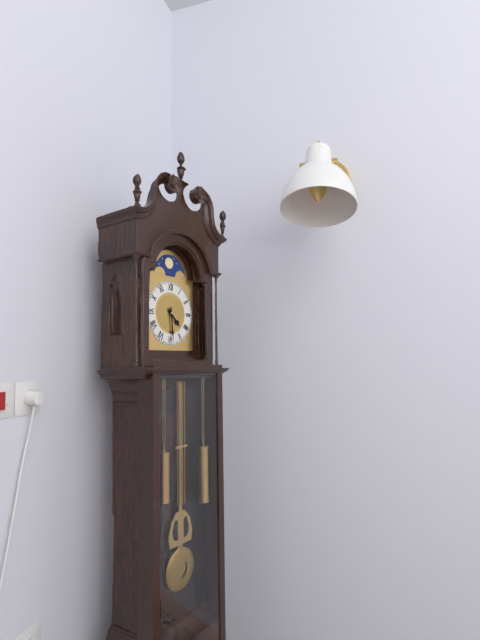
4.29
